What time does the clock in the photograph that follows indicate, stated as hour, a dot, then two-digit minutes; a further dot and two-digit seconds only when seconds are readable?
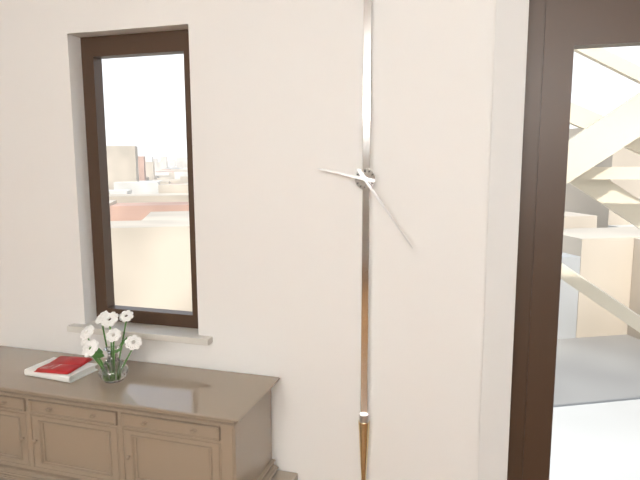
9.24
